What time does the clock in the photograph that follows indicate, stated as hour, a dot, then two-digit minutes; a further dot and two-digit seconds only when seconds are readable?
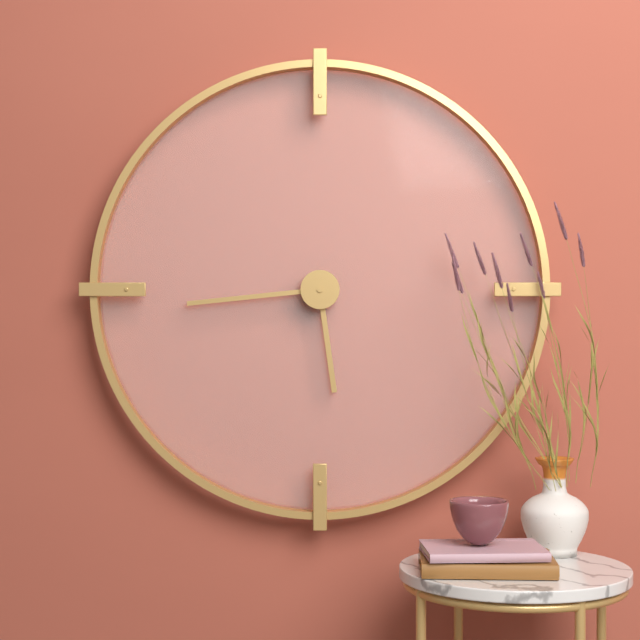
5.44
